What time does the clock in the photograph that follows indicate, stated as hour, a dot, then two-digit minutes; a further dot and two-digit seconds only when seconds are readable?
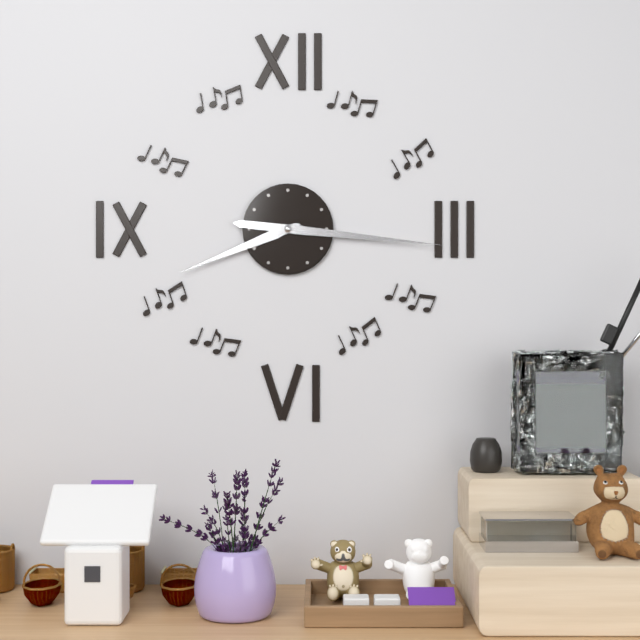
8.16
